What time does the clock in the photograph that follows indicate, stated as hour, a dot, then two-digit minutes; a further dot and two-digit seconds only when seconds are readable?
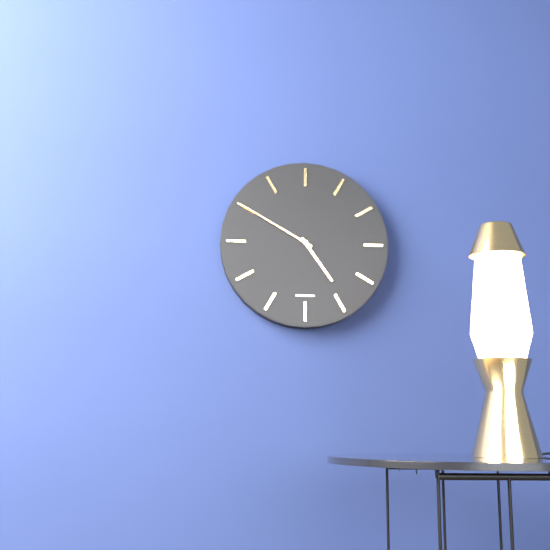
4.50
